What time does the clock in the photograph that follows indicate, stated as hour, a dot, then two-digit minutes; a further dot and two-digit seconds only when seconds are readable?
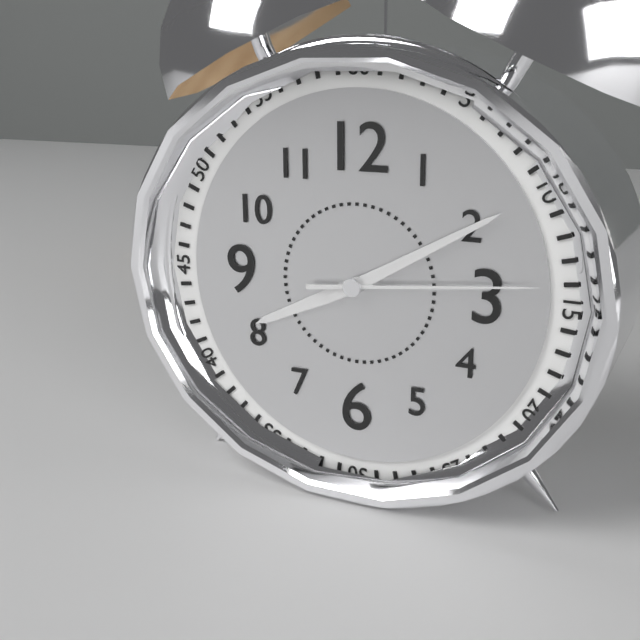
8.10.14
